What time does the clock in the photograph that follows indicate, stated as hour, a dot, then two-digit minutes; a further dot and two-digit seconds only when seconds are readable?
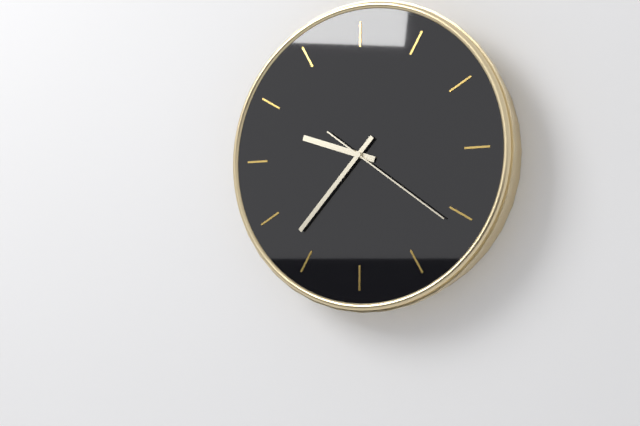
9.37.21
